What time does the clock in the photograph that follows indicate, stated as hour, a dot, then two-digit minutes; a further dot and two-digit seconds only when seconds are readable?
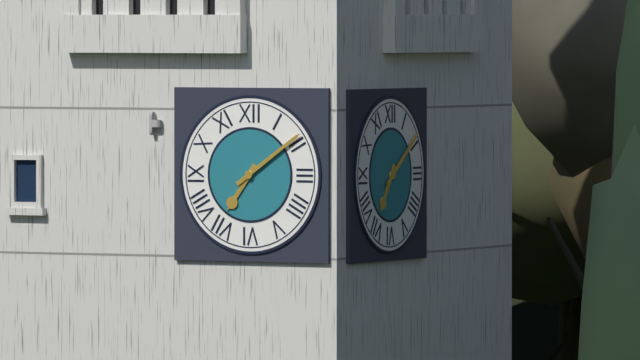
7.09
